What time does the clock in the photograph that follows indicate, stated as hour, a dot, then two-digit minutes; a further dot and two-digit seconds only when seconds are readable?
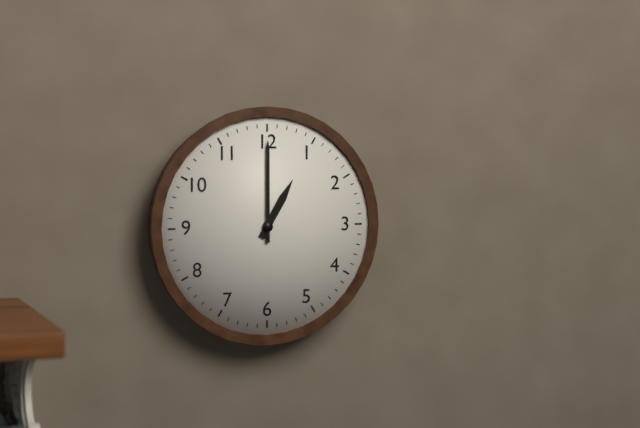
1.00
